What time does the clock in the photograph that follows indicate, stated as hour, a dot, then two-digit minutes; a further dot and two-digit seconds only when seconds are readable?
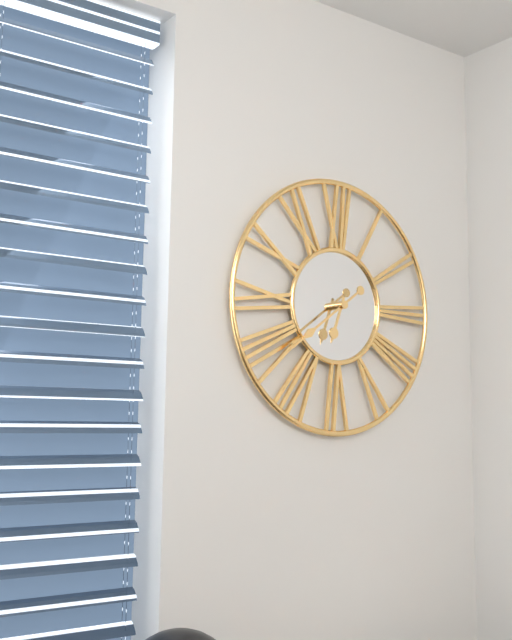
6.39
